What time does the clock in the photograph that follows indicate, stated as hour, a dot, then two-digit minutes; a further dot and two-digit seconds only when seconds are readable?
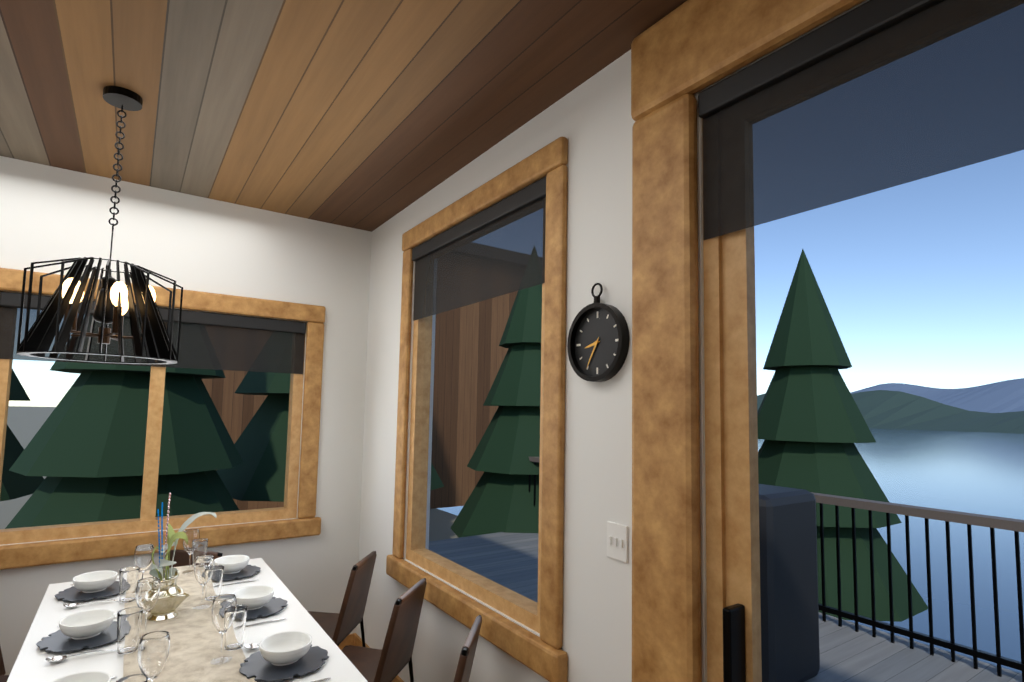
8.35
